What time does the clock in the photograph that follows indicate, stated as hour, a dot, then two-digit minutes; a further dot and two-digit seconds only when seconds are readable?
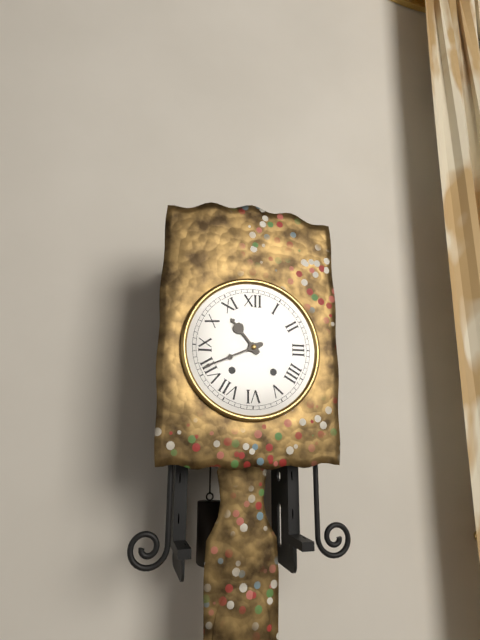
10.41
